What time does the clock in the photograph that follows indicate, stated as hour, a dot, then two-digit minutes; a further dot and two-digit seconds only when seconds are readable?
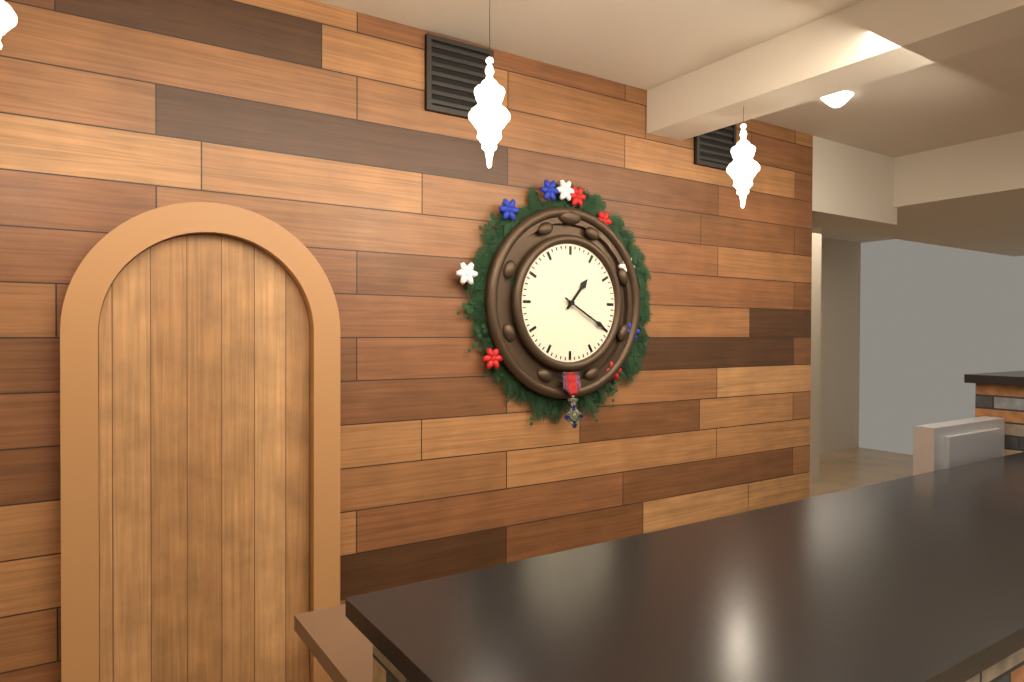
1.20
